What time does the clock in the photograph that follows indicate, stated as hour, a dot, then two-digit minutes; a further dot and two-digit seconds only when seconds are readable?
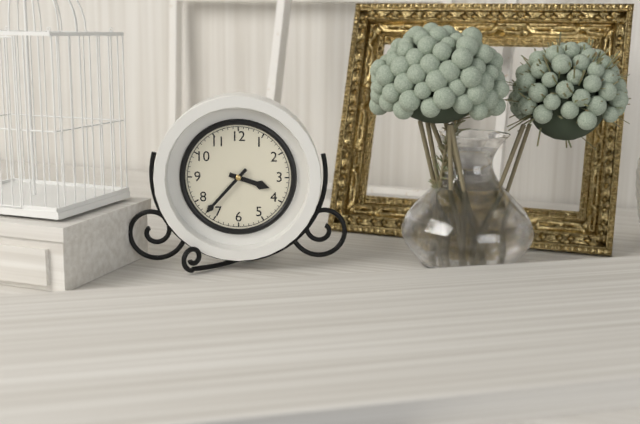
3.37
